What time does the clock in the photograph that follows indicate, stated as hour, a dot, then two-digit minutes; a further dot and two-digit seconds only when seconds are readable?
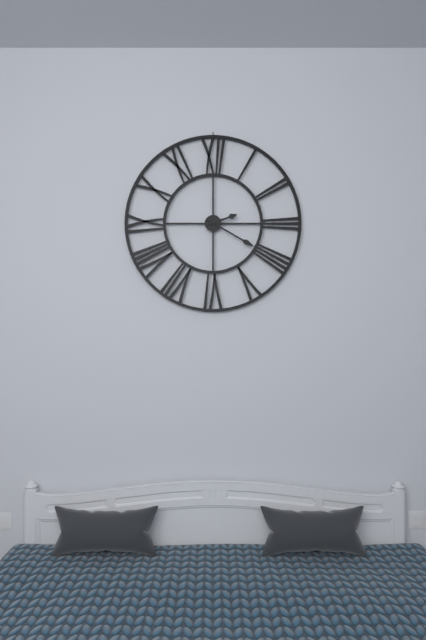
2.20
